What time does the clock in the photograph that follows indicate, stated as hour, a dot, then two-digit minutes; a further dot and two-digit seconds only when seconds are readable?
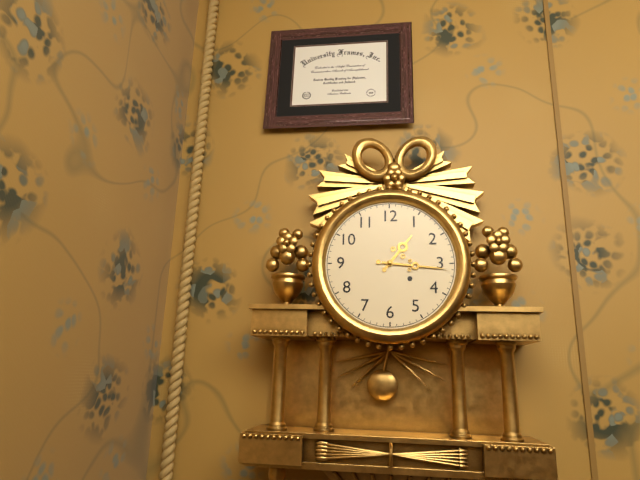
1.16
